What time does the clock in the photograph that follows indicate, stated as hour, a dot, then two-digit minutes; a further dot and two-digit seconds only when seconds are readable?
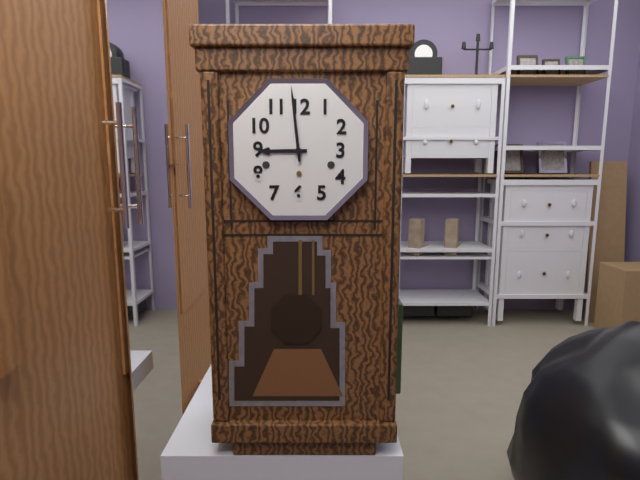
8.59
